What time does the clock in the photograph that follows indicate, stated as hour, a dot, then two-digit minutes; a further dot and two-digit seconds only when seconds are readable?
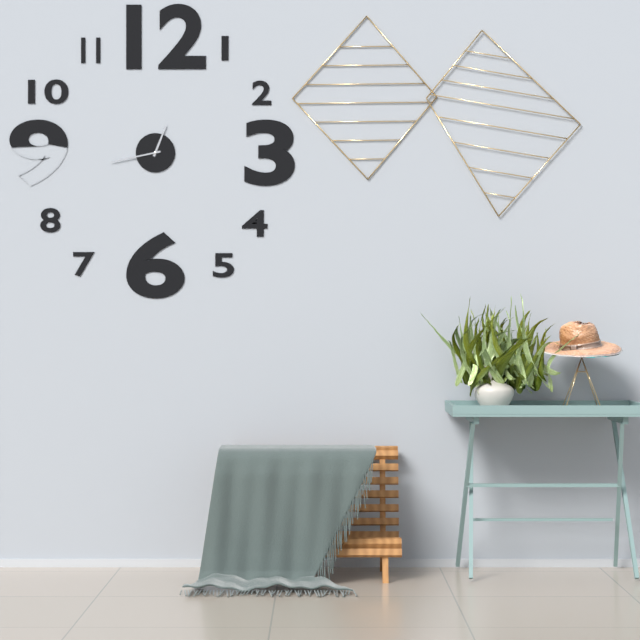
12.43
